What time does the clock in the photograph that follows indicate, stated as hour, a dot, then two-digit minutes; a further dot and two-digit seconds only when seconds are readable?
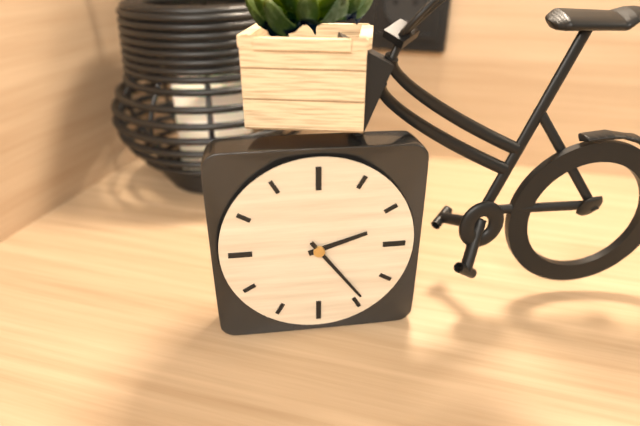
2.24
